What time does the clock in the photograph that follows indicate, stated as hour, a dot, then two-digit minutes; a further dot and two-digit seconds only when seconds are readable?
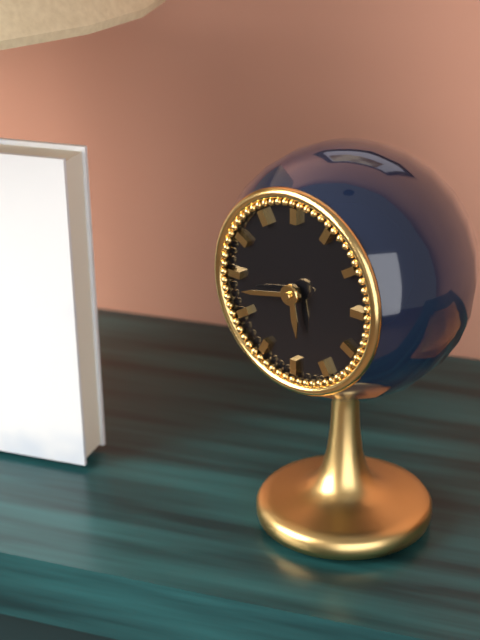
5.43
